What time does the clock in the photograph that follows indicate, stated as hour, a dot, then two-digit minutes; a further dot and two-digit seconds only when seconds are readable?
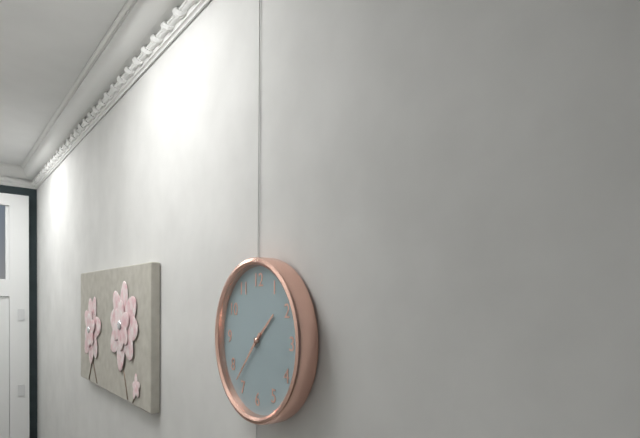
1.37
